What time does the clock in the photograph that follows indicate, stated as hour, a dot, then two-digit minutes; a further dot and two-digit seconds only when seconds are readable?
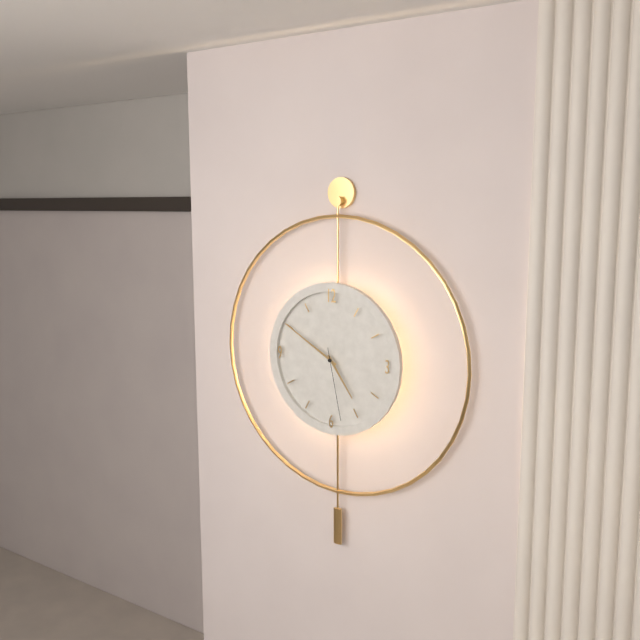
4.50.28
